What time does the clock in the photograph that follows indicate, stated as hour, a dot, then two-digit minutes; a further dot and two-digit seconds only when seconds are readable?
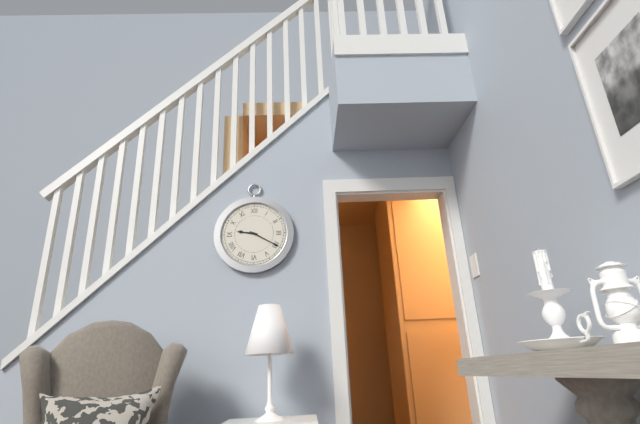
9.20
